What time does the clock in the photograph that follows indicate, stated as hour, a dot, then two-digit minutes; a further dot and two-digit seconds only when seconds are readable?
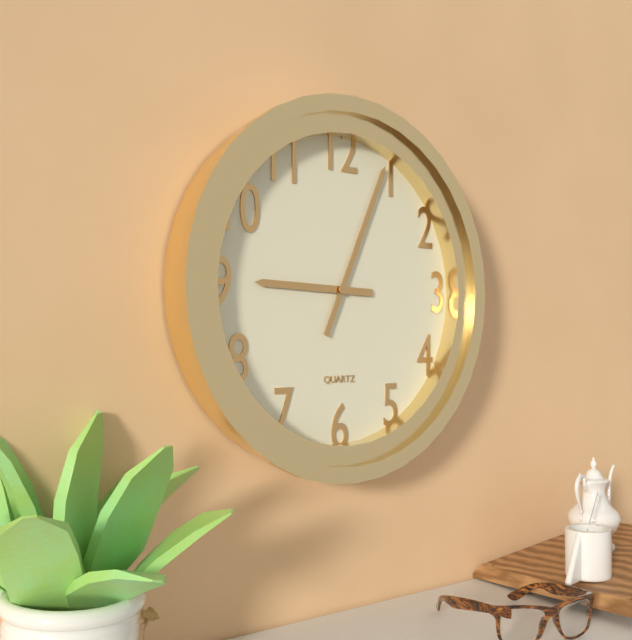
9.04
